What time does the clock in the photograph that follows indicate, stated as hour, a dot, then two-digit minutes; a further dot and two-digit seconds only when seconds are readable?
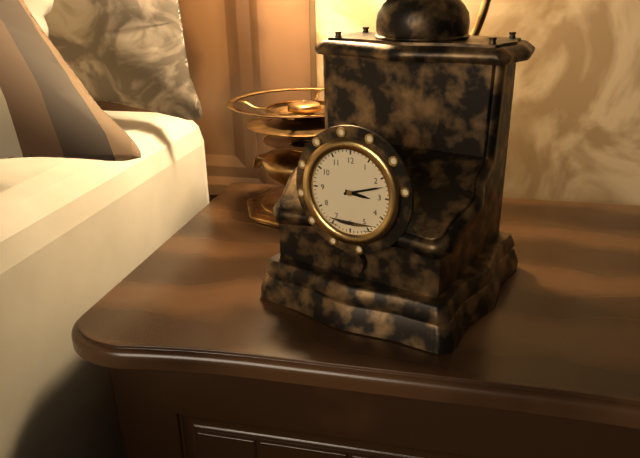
3.12
